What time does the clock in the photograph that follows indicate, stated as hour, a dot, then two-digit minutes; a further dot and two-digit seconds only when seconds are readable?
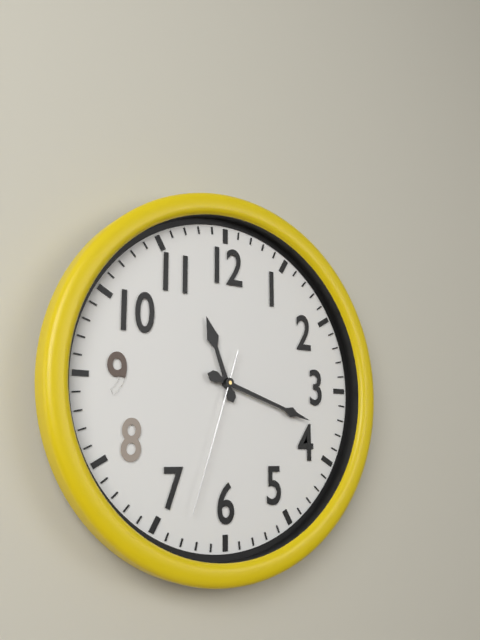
11.18.33
